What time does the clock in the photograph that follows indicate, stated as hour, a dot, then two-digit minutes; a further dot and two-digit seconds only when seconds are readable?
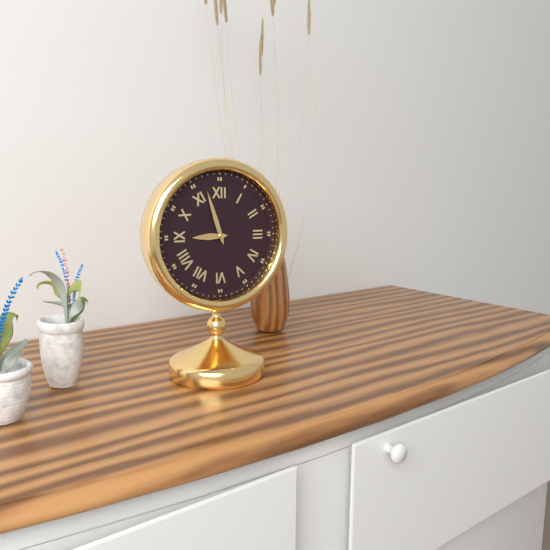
8.57
